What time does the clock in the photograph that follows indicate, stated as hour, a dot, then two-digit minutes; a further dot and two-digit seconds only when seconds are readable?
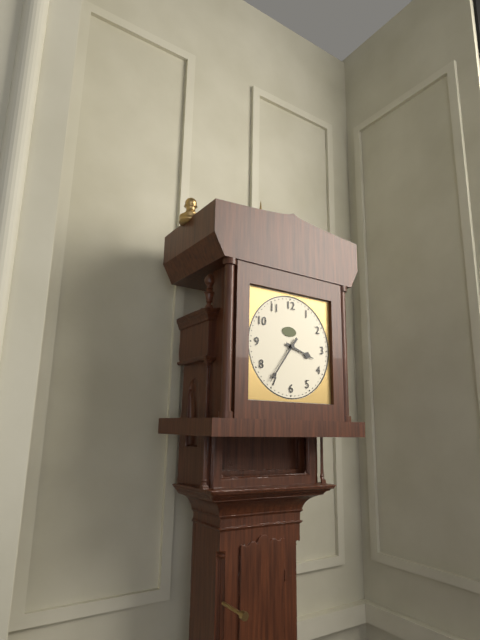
3.36
